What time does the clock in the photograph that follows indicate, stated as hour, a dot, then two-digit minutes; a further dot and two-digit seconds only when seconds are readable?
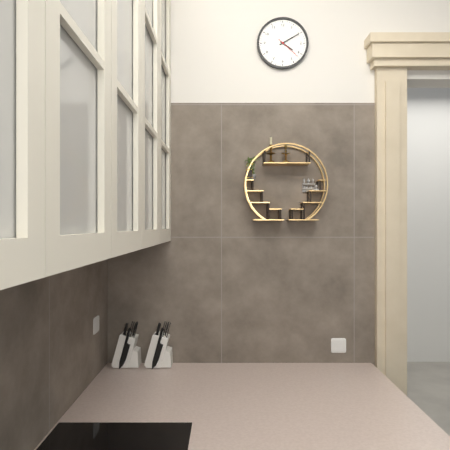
4.10
